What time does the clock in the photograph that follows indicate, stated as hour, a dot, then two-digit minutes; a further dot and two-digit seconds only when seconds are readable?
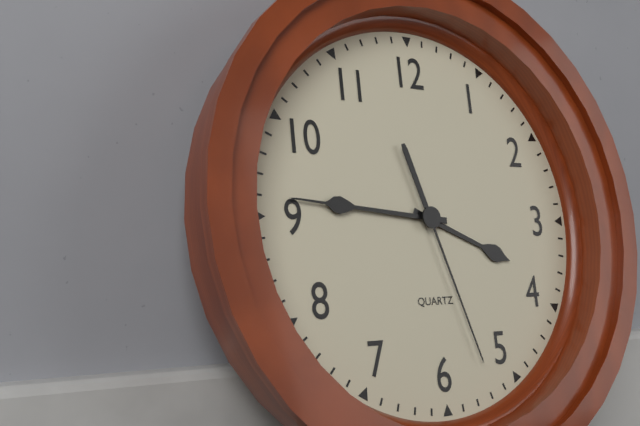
3.46.27
